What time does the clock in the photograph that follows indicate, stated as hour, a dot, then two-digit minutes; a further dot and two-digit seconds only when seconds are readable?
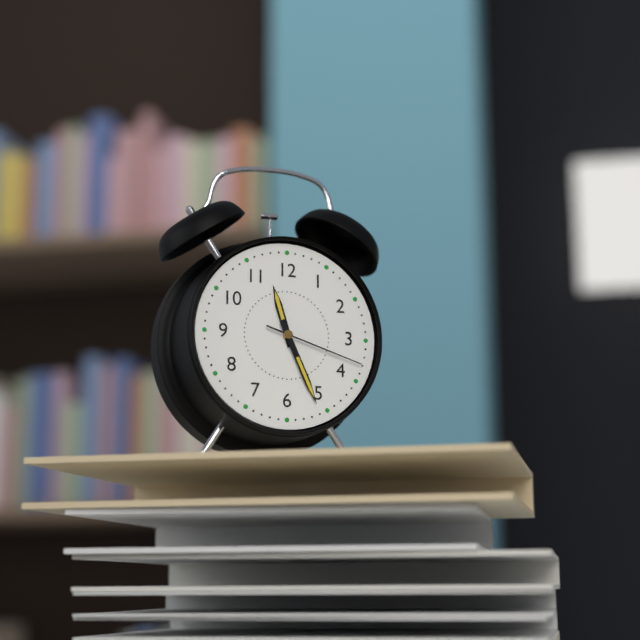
11.26.18
